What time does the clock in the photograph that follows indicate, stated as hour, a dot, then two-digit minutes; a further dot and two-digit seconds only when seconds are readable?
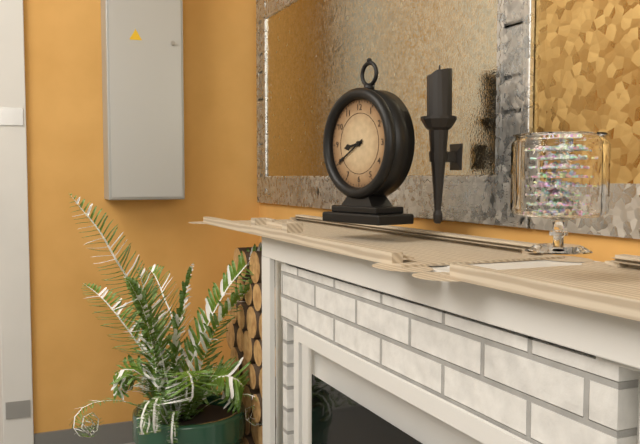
8.40
